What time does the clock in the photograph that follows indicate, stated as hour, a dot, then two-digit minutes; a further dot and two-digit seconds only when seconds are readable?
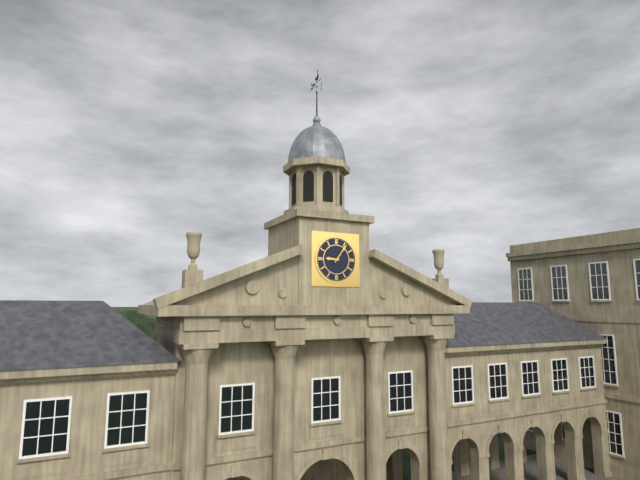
9.06
